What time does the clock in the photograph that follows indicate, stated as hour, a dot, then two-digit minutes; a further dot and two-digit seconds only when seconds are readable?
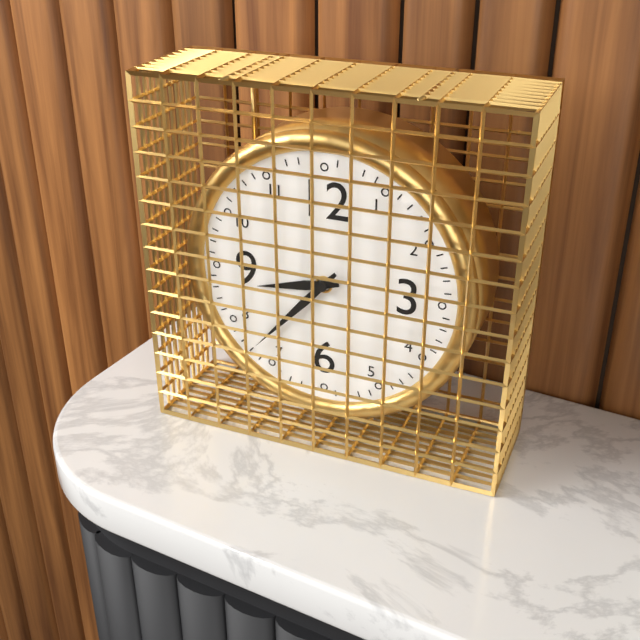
8.37
